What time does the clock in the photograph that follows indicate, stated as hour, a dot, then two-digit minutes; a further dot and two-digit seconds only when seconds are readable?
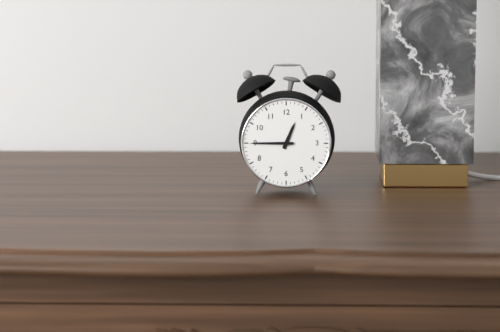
12.45
